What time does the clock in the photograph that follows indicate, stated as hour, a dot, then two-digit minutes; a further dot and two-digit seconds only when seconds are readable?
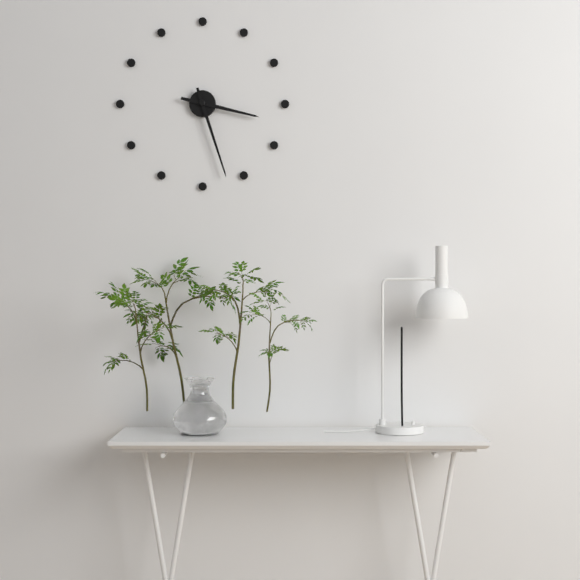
3.27
